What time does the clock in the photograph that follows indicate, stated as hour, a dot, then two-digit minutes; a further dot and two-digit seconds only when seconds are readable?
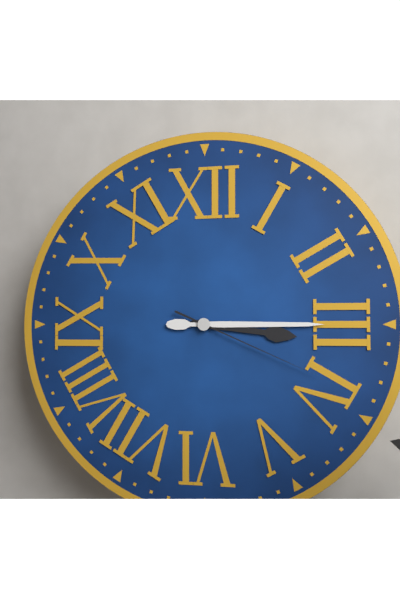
3.15.19
